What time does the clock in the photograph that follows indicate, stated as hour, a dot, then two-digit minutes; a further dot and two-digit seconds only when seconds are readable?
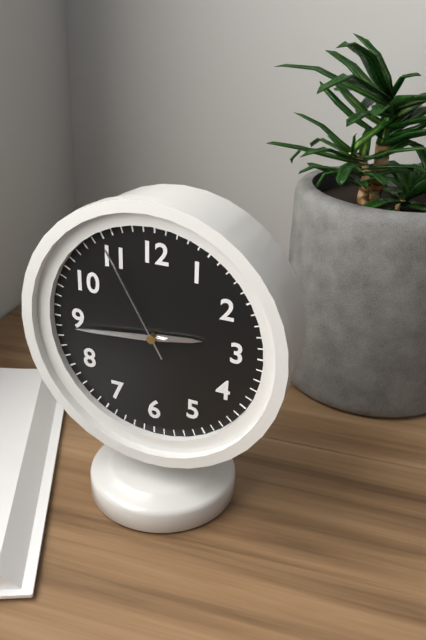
2.44.55
